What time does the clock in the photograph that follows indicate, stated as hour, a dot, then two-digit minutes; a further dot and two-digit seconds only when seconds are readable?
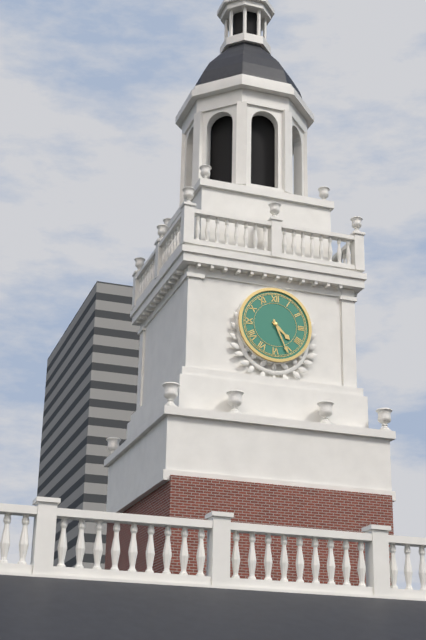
4.26
